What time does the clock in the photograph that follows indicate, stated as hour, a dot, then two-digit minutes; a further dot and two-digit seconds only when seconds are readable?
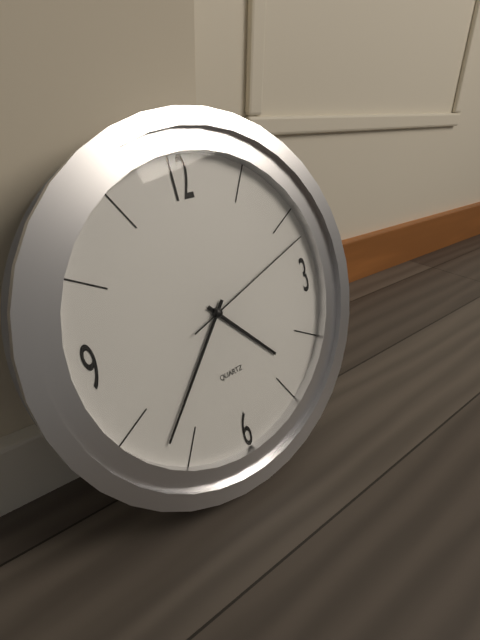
4.37.12
